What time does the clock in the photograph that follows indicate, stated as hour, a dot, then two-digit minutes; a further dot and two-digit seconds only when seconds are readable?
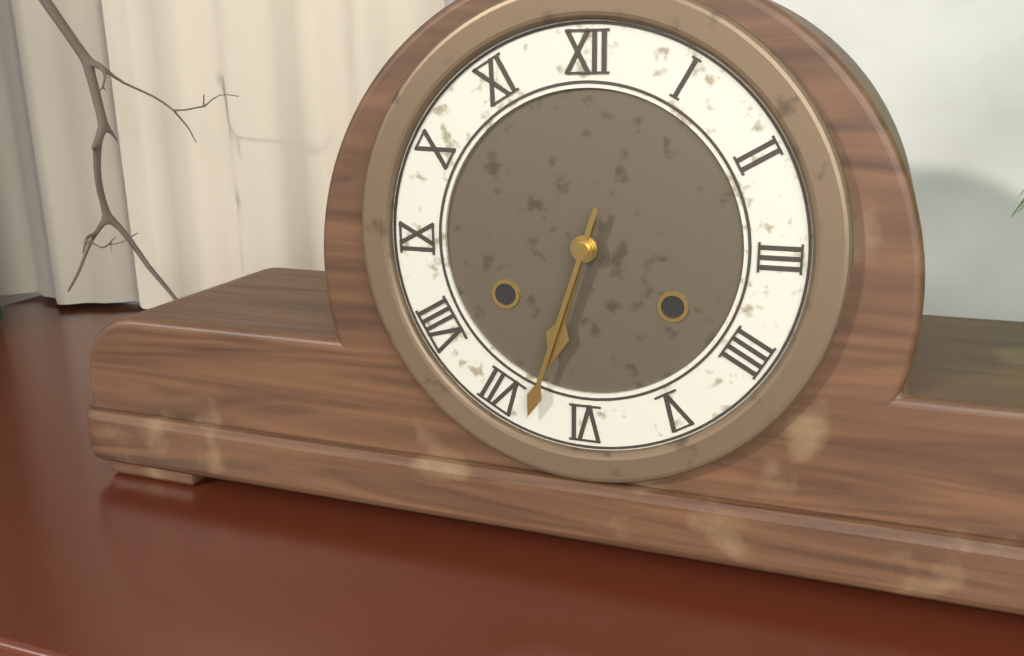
6.33
